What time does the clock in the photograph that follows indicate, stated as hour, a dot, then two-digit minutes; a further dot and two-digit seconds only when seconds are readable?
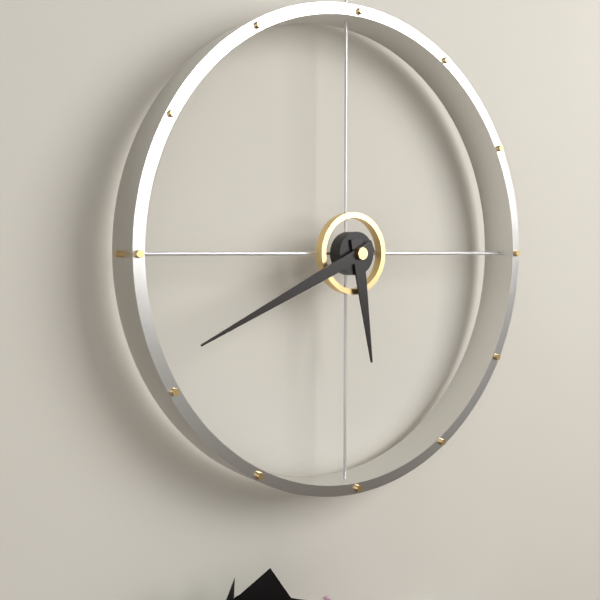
5.41
